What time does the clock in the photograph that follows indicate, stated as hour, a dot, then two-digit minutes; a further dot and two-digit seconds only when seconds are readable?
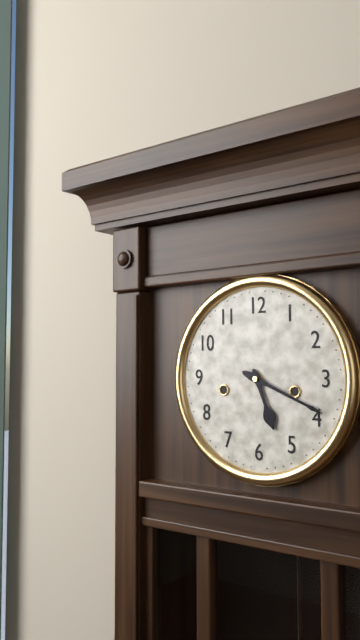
5.19
